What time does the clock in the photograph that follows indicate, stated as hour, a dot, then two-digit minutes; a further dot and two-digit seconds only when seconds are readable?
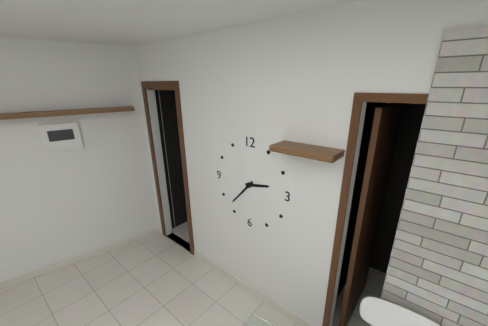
2.37
